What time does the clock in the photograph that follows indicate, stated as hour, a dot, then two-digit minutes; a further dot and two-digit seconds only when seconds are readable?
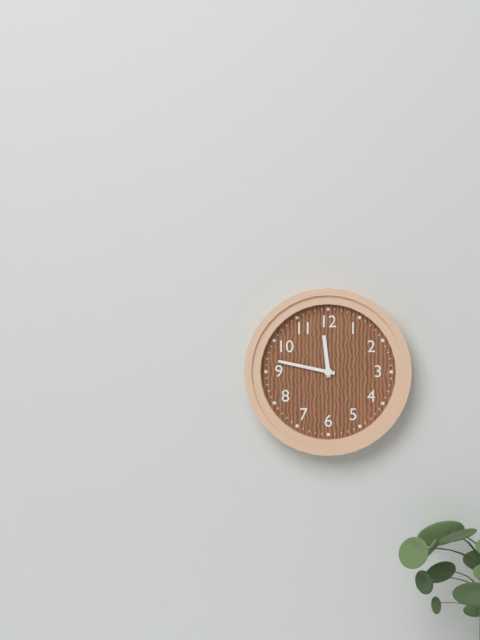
11.47
